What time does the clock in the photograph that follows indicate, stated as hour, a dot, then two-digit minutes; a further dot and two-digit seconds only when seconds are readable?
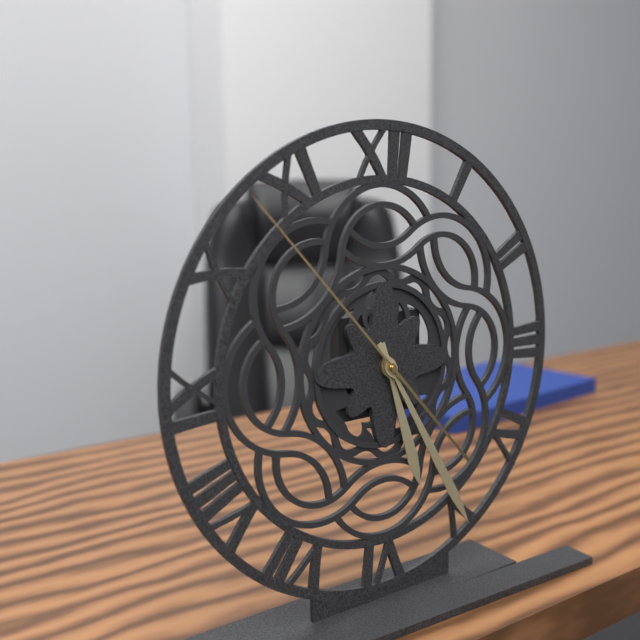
5.25.53
